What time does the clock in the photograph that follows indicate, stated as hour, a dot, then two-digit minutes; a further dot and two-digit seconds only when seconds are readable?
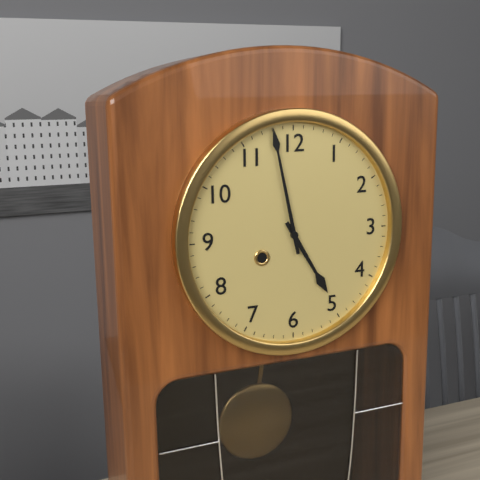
4.58
